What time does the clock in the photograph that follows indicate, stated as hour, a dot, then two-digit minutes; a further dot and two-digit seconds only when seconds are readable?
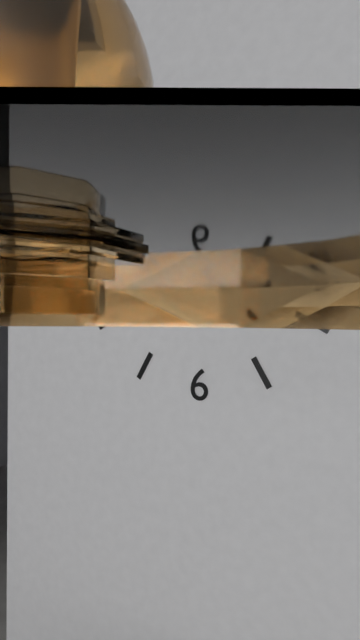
1.38
